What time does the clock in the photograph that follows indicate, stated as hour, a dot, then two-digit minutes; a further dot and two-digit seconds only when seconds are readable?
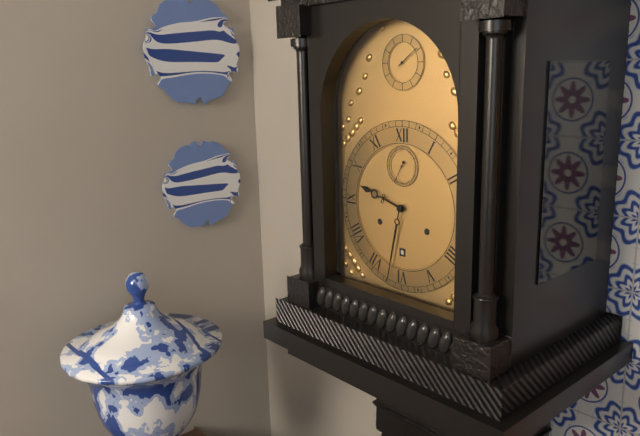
9.32
